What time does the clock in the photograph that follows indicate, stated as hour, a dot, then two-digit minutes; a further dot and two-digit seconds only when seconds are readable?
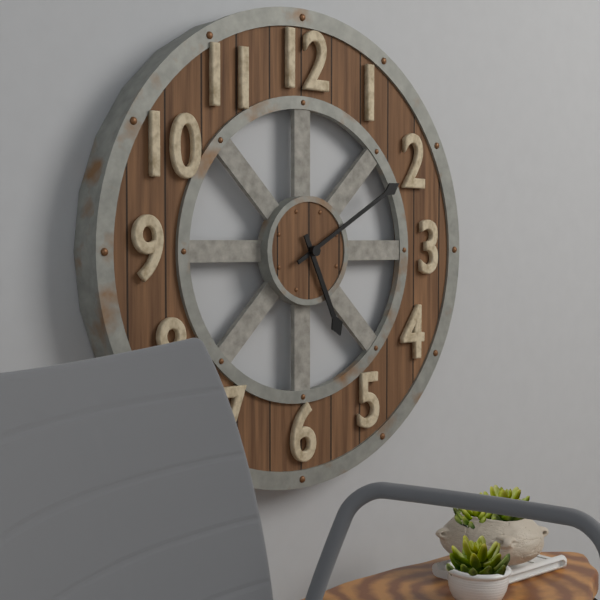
5.10
